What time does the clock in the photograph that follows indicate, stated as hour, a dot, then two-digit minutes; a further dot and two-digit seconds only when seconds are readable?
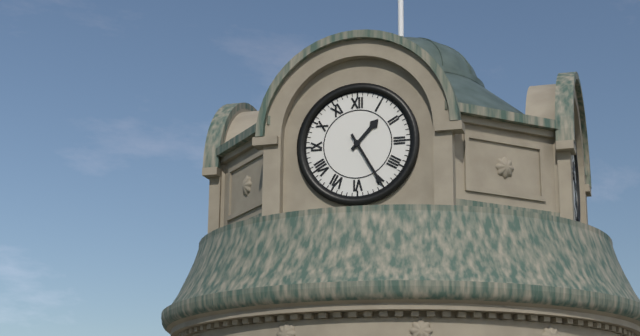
1.25
